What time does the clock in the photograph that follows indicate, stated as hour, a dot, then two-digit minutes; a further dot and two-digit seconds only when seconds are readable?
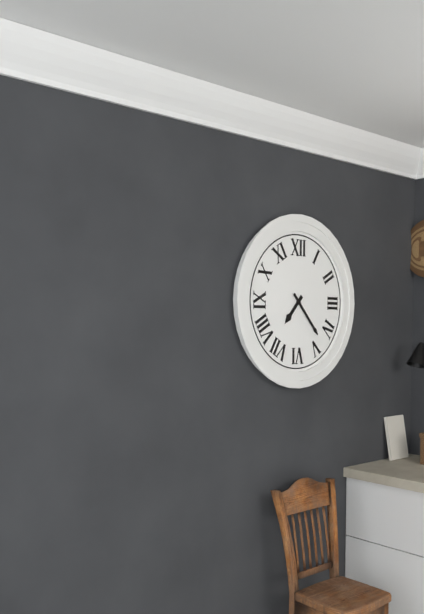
7.23
